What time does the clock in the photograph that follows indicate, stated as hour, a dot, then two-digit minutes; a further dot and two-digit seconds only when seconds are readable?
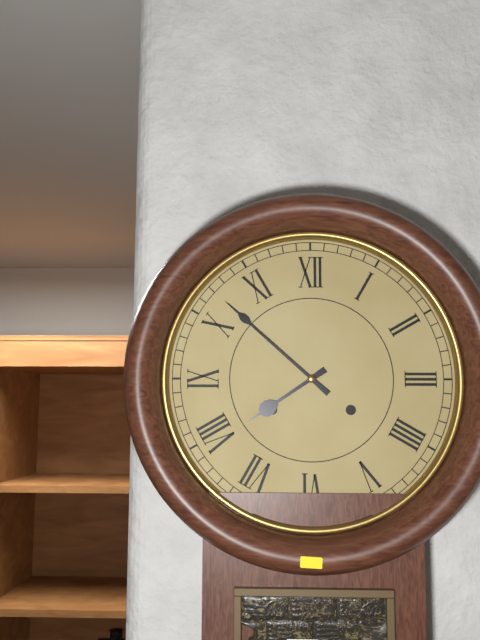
7.52
